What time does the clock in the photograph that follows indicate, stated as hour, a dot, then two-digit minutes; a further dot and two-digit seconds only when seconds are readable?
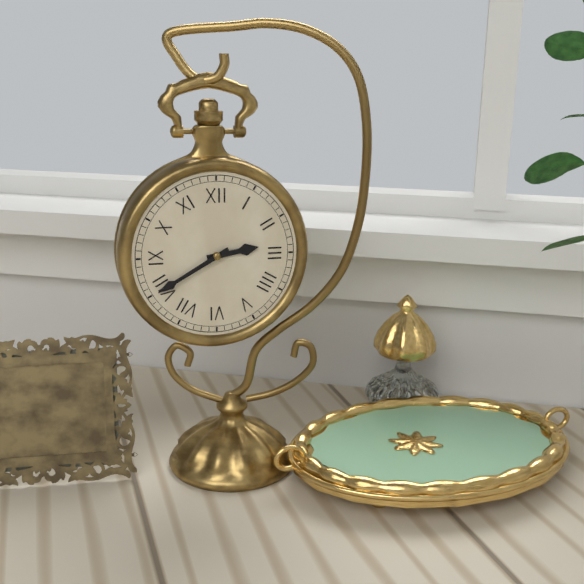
2.40
